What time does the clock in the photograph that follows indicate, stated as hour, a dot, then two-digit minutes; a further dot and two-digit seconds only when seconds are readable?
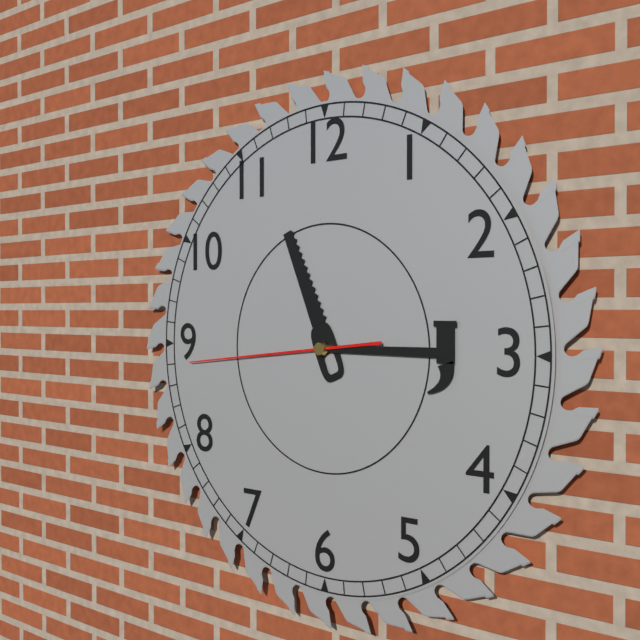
11.15.44
